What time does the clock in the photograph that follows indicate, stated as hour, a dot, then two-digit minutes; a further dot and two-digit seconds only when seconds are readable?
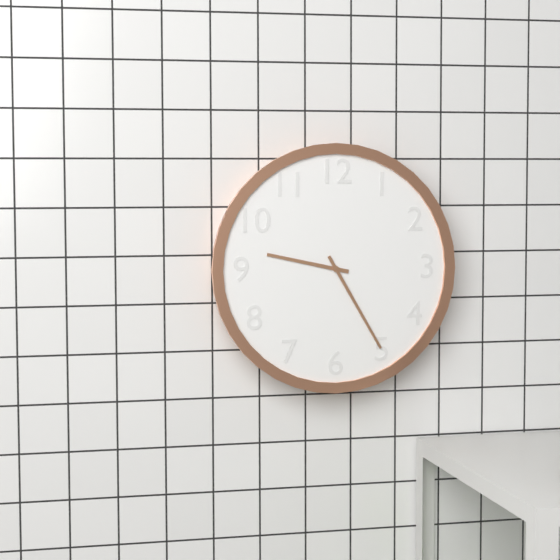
9.25
